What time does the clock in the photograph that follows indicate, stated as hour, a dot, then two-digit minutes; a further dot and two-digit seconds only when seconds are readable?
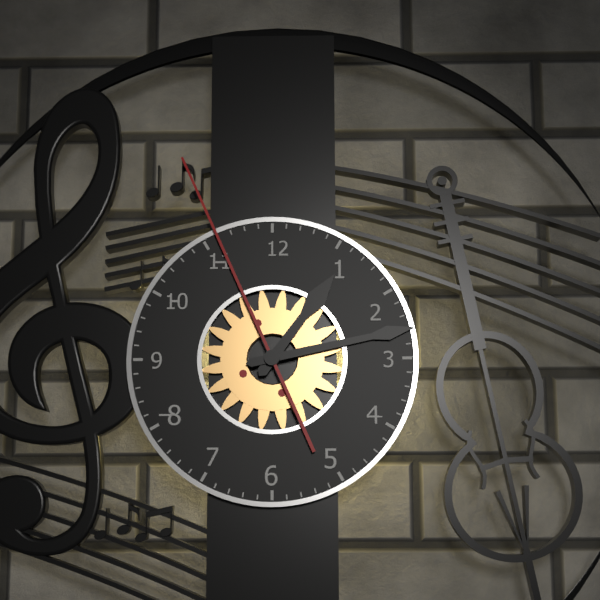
1.13.56
